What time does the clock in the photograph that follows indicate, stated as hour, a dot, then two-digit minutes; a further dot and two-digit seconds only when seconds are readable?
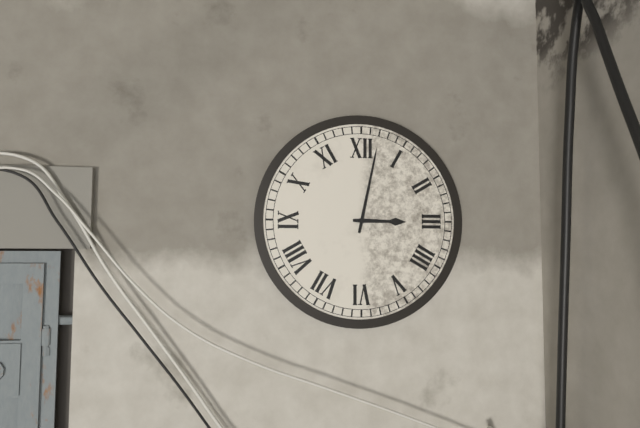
3.02
